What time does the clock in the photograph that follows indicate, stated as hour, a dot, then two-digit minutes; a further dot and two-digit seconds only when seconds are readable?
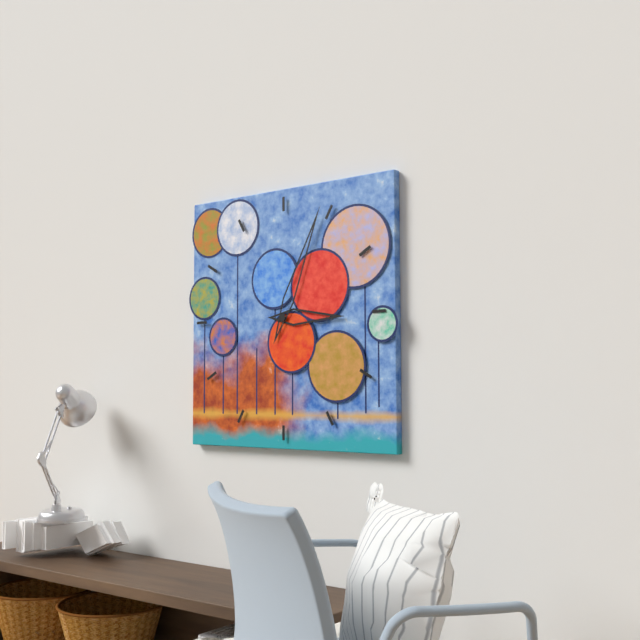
3.04
